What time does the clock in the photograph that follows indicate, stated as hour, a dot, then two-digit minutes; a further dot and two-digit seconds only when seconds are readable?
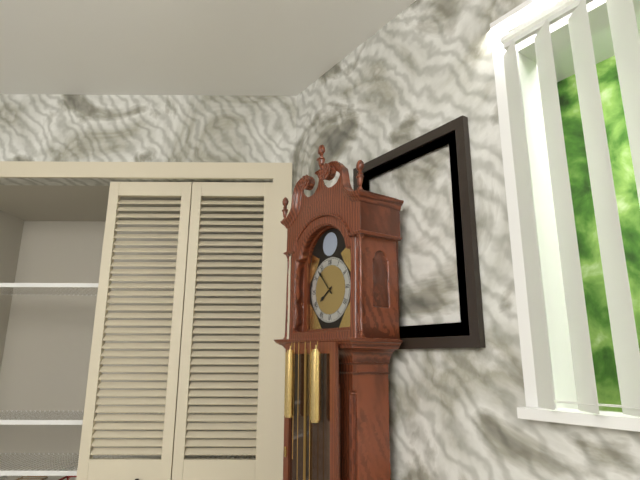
7.53
